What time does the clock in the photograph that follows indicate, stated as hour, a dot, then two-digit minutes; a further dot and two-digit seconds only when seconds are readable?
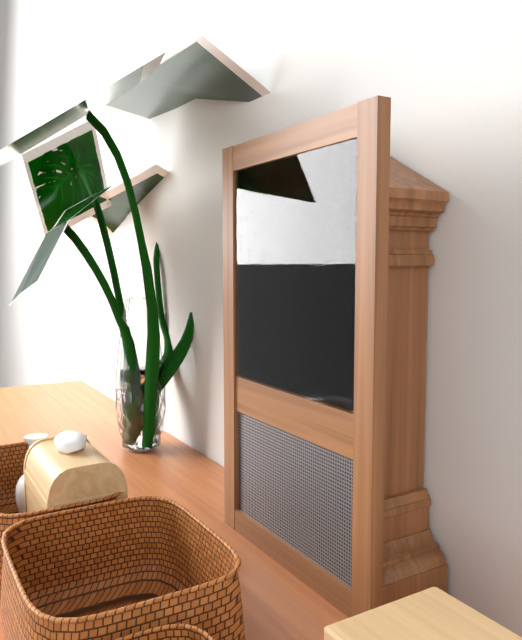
11.04
